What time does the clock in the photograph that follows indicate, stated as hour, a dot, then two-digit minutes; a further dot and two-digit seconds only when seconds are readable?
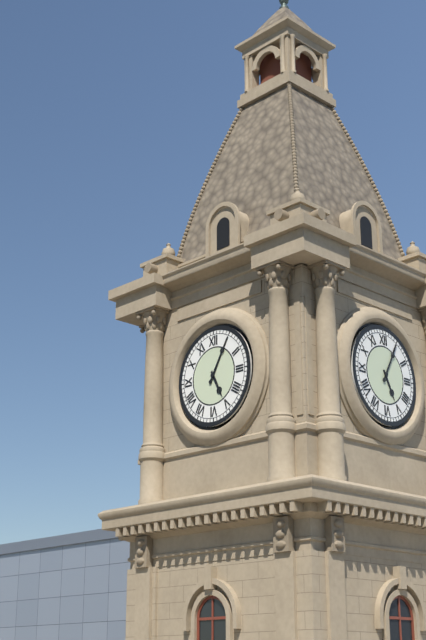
5.05
